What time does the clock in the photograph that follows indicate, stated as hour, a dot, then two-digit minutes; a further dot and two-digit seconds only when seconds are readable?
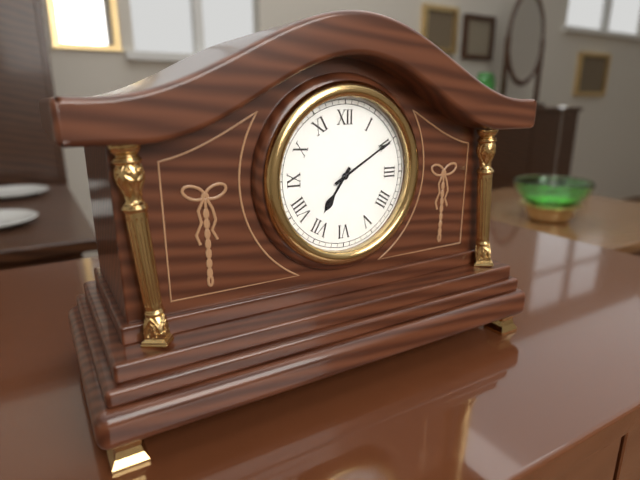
7.10
